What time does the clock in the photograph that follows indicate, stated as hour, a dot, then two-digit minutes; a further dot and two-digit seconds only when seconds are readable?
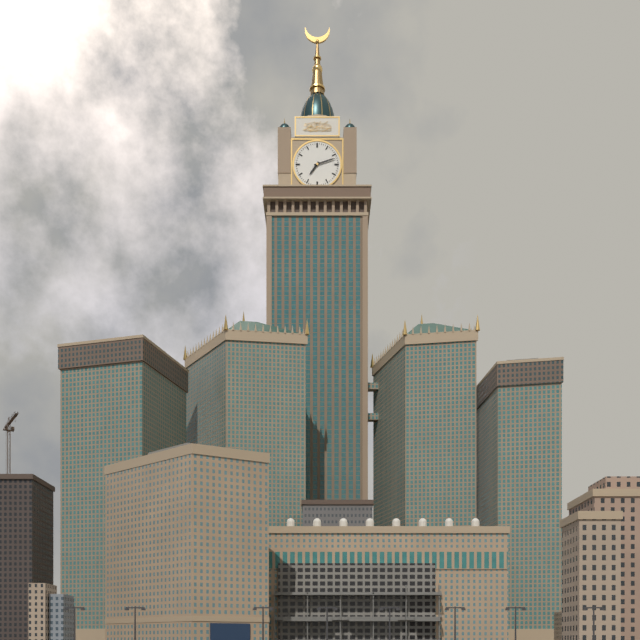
7.12
